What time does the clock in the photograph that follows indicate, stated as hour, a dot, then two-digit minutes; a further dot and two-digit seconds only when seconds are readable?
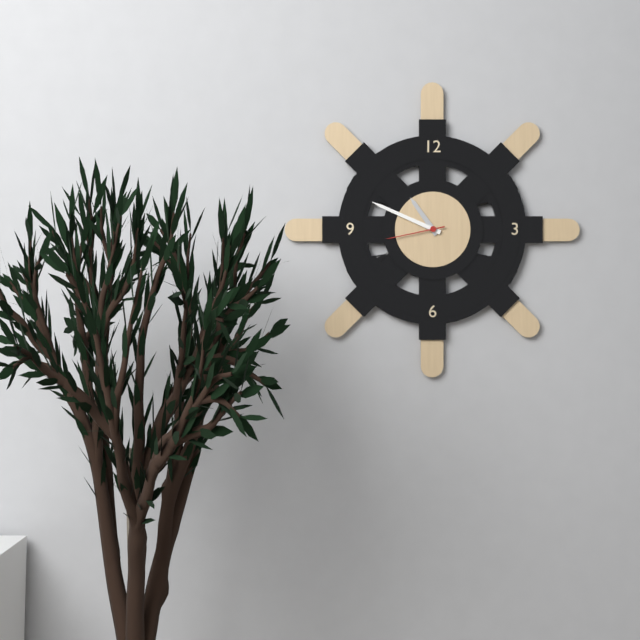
10.49.43
